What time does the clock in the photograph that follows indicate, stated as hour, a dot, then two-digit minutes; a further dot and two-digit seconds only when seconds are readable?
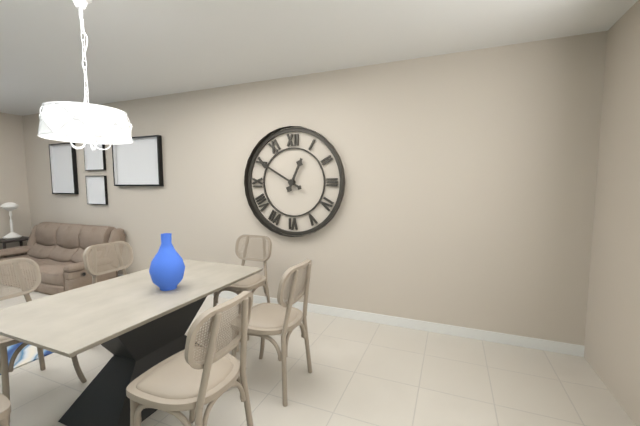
12.50
